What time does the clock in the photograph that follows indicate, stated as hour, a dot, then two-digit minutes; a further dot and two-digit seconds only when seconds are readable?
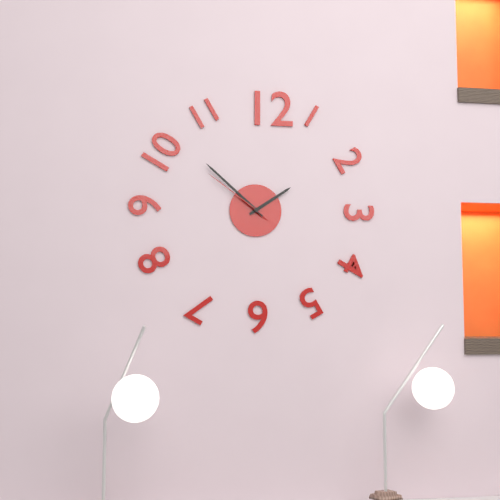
1.52.51
